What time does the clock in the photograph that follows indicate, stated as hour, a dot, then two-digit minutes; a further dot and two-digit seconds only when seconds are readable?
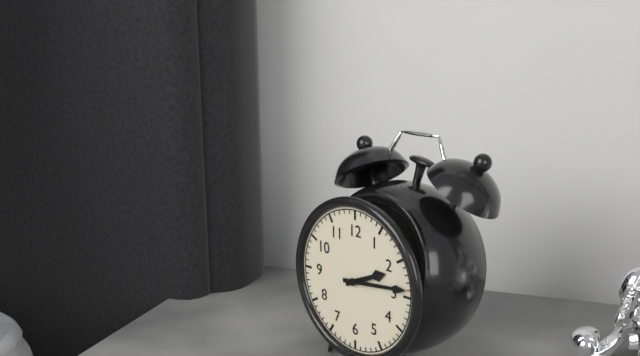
2.14
